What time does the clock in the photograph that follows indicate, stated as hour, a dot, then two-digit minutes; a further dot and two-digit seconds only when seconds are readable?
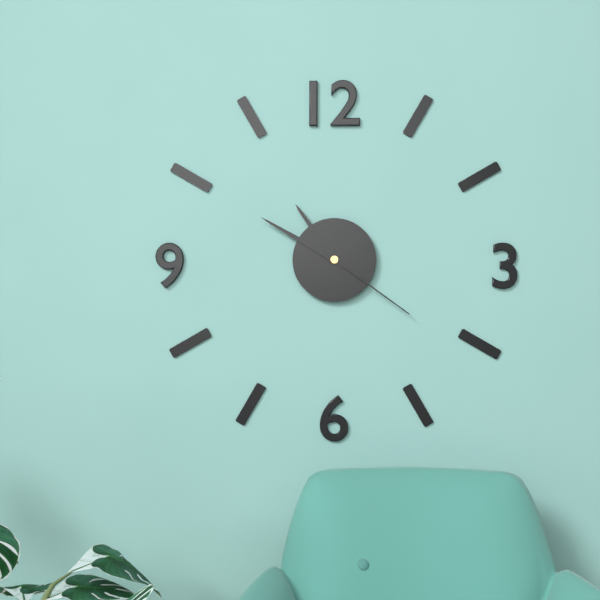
10.50.21
